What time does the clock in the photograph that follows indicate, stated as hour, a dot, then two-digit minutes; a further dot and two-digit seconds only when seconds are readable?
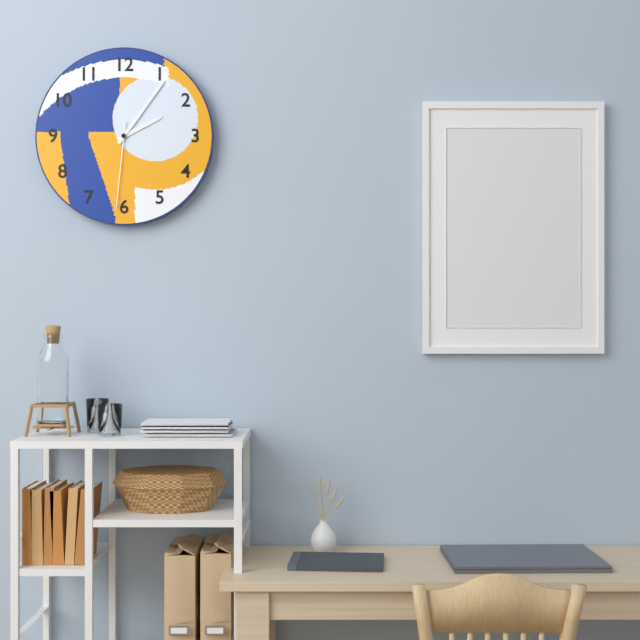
2.06.31
